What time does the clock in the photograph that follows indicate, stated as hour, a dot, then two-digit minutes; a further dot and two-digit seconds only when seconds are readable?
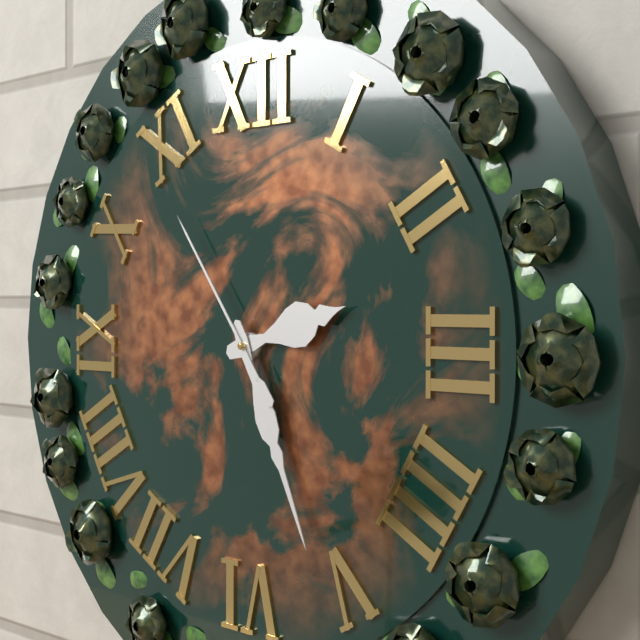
2.26.54
